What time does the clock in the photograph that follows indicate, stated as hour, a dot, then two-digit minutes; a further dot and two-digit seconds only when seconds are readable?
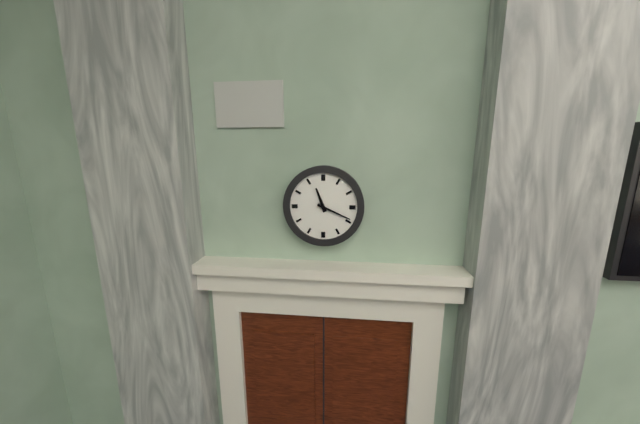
11.19
